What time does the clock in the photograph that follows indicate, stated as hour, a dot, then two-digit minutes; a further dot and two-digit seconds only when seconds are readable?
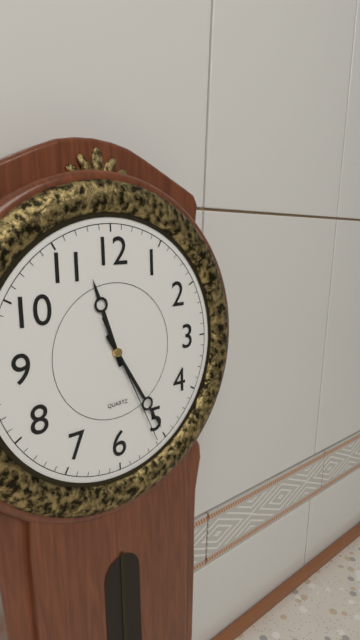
11.25.26
